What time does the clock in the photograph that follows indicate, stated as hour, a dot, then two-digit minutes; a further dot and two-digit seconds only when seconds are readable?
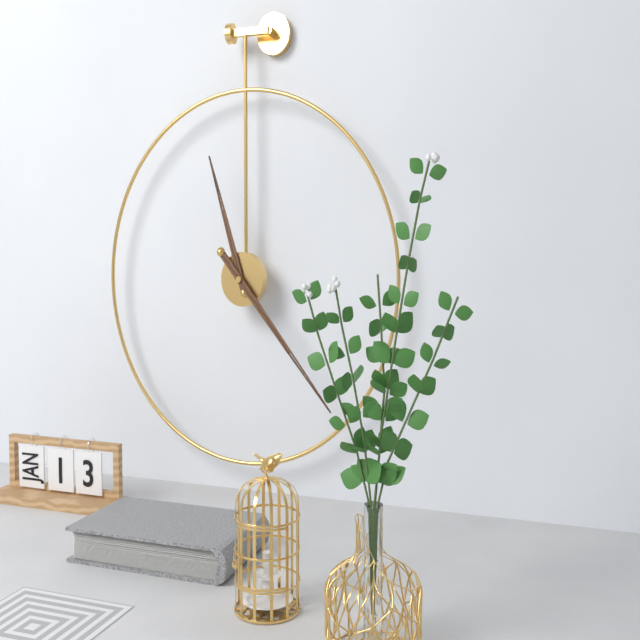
11.23
